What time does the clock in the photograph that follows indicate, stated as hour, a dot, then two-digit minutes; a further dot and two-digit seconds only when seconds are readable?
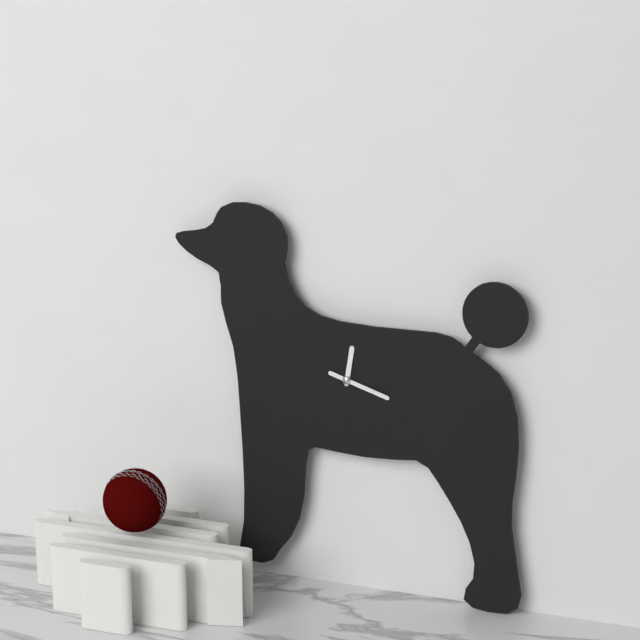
12.18
